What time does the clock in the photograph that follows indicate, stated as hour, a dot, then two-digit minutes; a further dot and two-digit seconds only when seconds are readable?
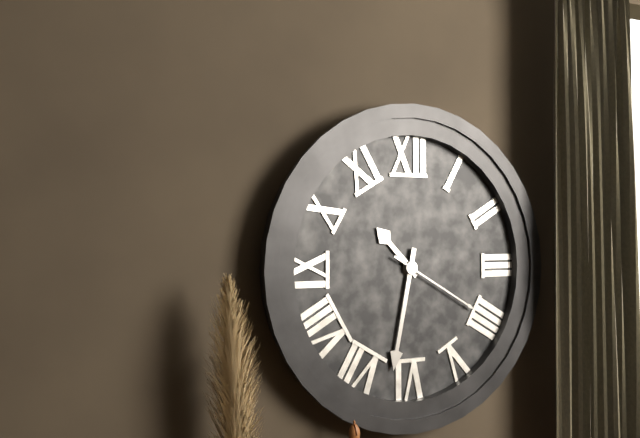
10.32.20
